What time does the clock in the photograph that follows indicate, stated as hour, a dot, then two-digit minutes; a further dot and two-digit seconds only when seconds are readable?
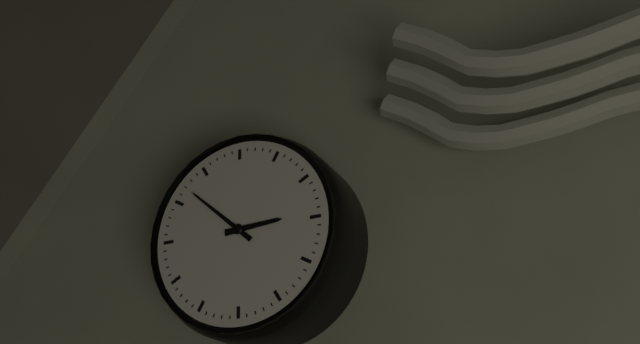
2.52
